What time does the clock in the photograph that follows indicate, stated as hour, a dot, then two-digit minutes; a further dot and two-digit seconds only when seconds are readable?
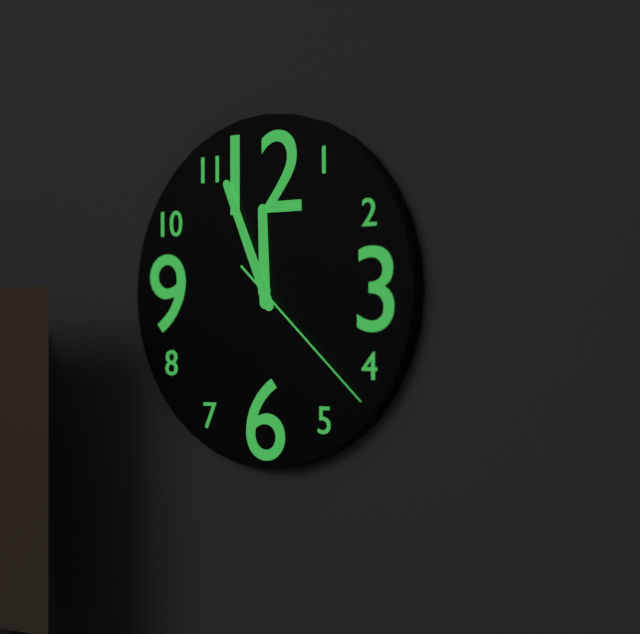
11.56.22
